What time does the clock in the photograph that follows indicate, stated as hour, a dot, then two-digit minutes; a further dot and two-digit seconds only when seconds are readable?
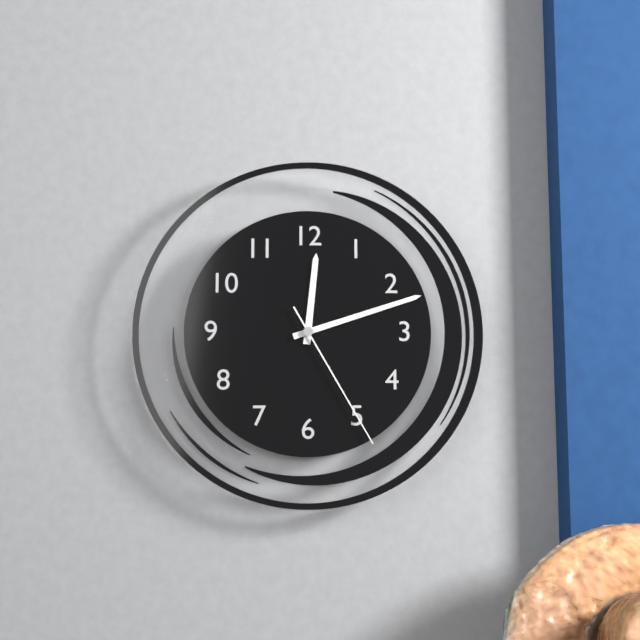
12.12.25
